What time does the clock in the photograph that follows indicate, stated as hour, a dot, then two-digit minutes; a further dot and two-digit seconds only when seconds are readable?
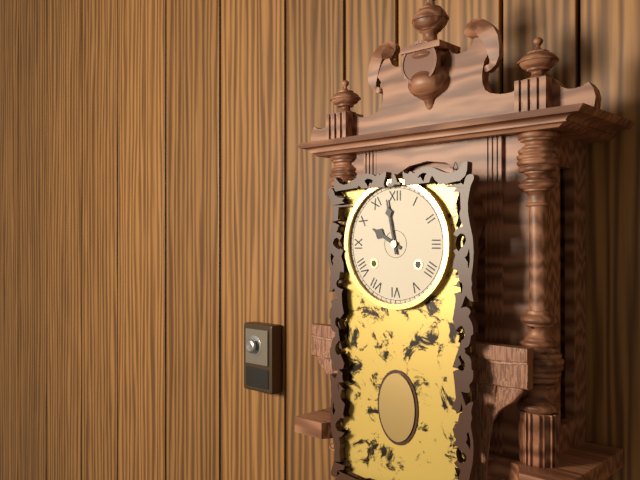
9.58
